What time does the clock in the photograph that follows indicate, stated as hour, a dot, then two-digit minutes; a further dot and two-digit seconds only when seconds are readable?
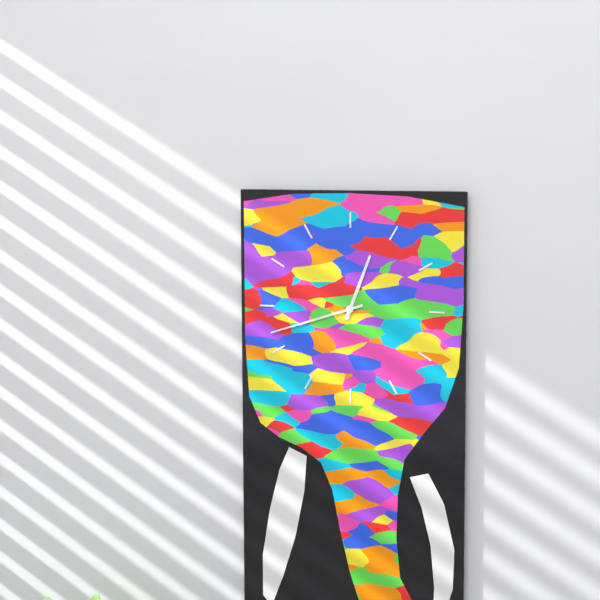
12.42
